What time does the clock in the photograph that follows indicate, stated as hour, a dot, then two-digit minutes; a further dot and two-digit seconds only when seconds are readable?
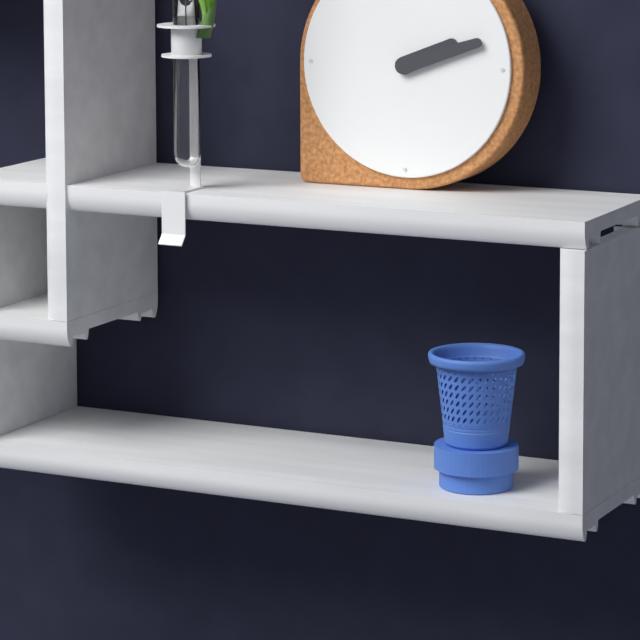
2.12
